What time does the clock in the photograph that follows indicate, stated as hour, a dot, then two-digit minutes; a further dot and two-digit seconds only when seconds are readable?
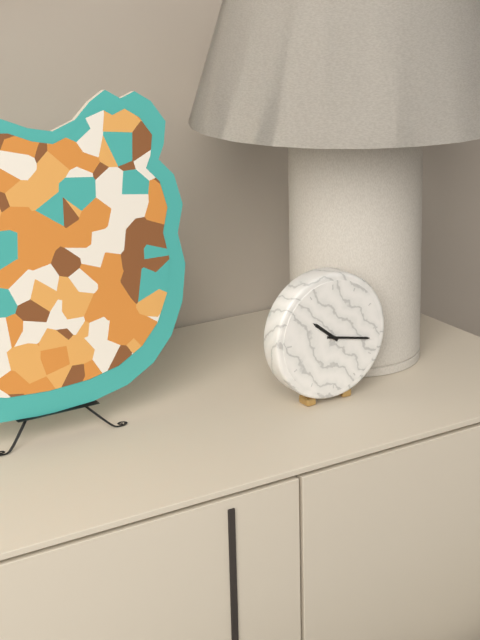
10.17
